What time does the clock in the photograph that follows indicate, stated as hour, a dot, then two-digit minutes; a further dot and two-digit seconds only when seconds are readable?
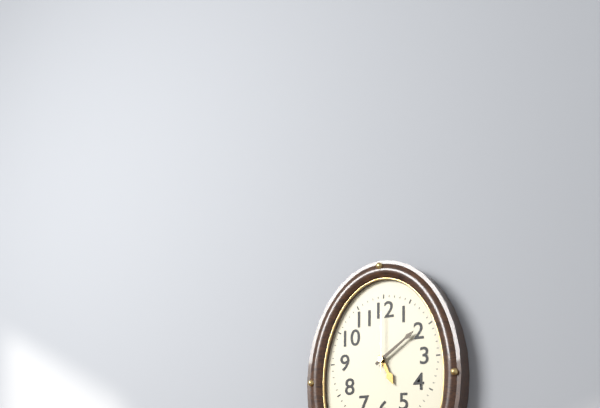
5.09.00
